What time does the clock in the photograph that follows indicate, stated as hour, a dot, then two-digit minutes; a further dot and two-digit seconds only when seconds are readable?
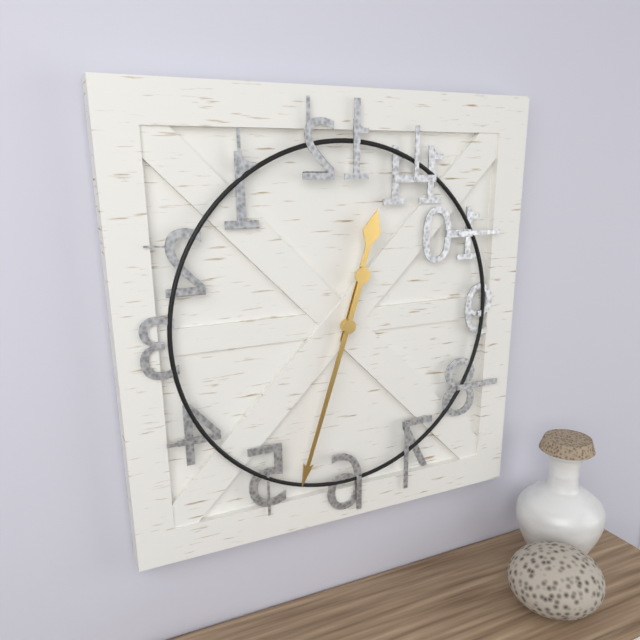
12.33
